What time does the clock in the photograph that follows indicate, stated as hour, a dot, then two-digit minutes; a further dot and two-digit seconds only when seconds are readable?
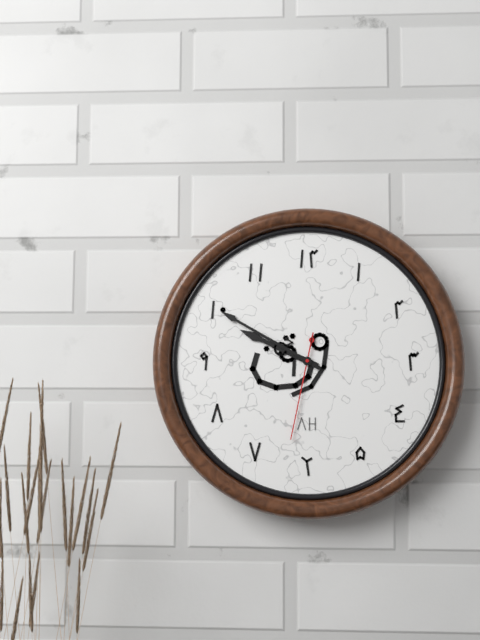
9.50.32
